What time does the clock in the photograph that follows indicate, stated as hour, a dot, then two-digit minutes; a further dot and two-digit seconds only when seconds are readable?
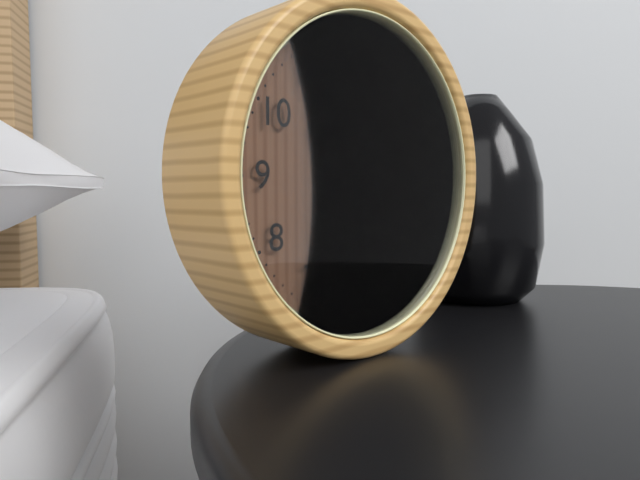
10.25.11
